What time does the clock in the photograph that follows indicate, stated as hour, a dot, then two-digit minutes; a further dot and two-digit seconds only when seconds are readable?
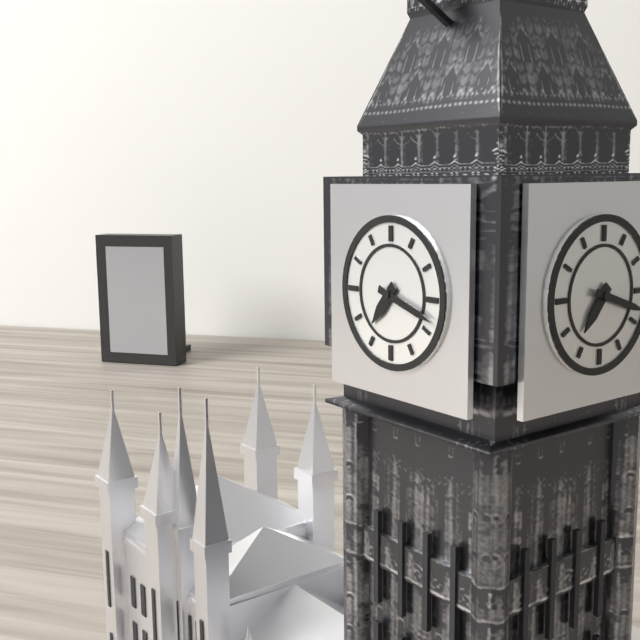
7.18
